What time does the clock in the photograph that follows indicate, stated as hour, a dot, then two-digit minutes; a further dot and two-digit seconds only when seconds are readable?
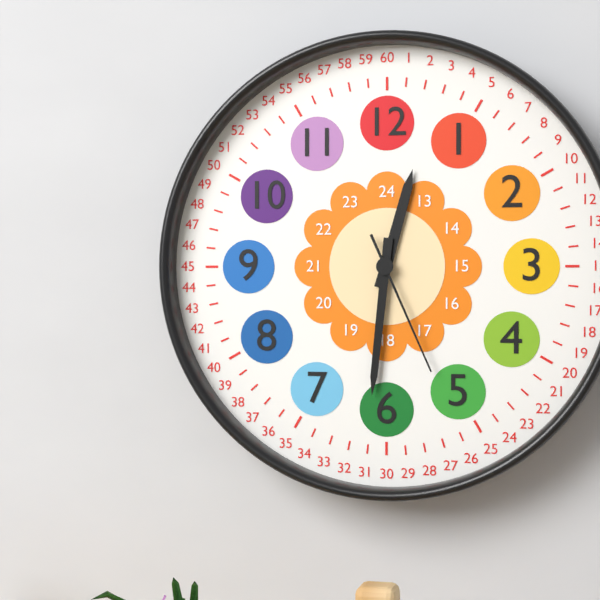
12.31.26
